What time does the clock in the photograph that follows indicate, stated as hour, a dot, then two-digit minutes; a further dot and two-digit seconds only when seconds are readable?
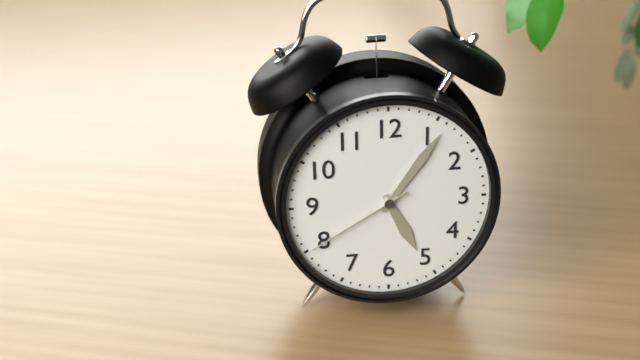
5.06.40
